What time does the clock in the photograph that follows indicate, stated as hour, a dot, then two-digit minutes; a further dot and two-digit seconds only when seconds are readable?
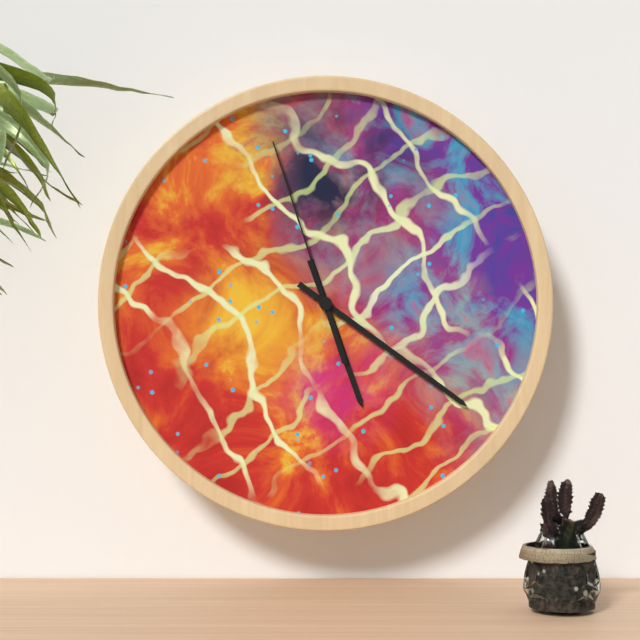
5.21.57
